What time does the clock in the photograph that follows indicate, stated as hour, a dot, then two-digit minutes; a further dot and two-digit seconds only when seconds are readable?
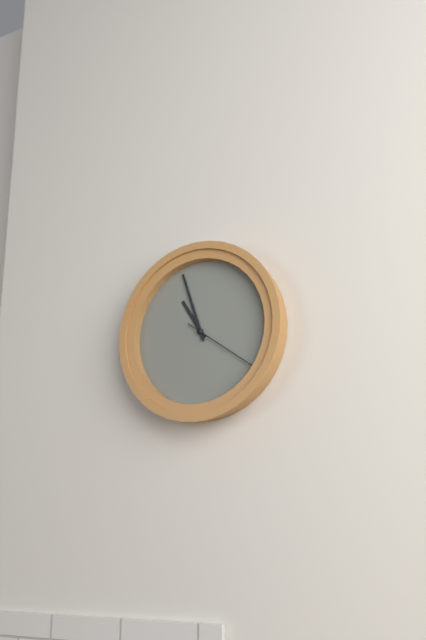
10.57.21
